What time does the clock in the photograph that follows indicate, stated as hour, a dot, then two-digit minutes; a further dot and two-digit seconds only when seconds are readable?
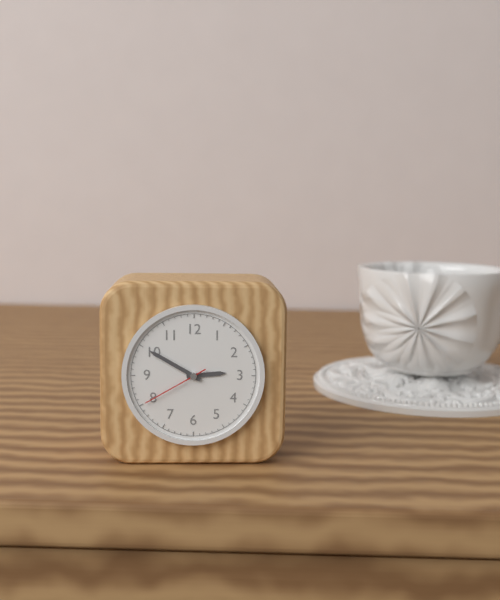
2.50.40
